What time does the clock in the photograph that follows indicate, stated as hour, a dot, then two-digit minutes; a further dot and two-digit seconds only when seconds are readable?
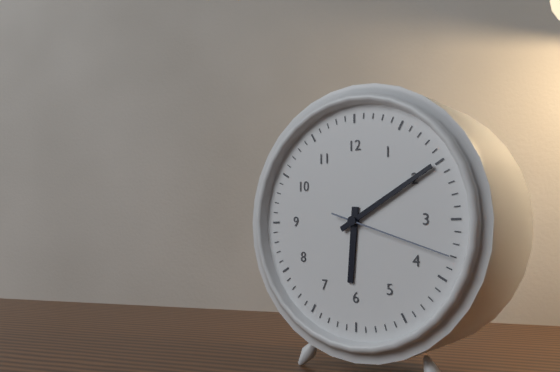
6.10.18
